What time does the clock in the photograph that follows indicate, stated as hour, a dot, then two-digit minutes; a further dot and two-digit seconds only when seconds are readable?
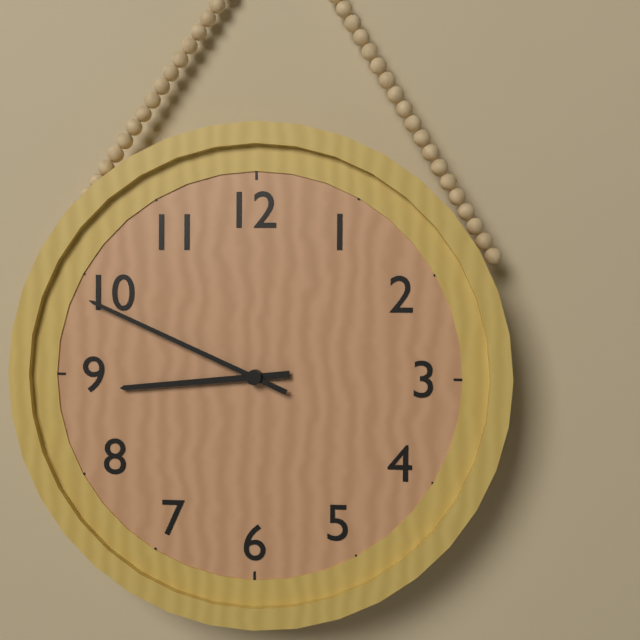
8.49
